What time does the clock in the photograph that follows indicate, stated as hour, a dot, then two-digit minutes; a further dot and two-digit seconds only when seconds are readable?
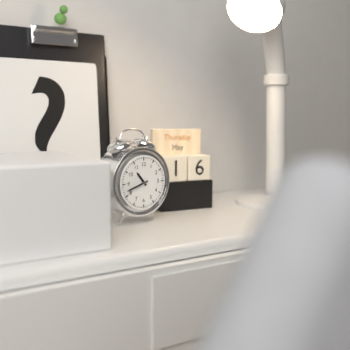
10.42
